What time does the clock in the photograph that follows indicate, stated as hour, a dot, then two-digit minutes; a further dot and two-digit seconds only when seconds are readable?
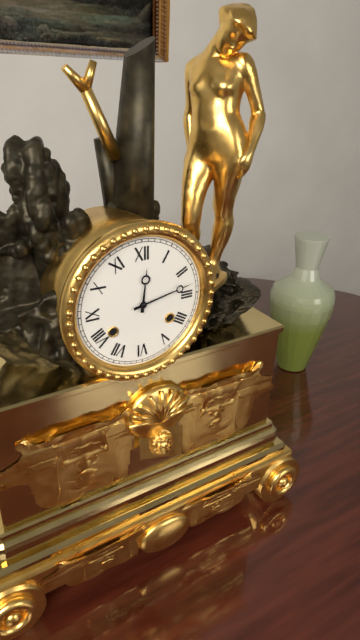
12.13
